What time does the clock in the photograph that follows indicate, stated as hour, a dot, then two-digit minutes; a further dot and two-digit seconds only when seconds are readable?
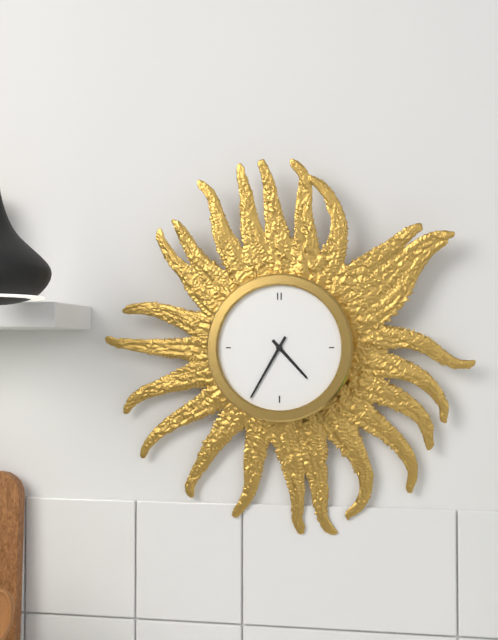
4.35
